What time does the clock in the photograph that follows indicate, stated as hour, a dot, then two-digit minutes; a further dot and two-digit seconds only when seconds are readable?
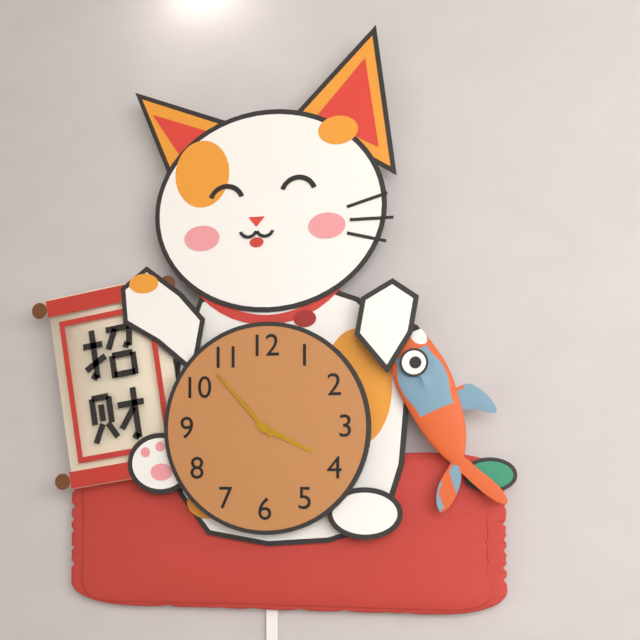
3.53
